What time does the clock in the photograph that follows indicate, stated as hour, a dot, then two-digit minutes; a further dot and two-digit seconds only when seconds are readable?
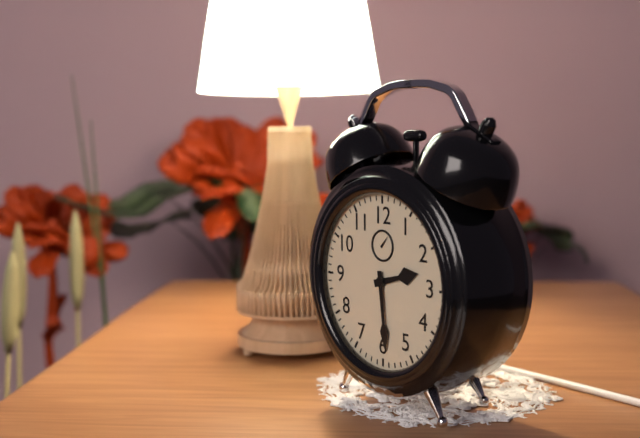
2.29
